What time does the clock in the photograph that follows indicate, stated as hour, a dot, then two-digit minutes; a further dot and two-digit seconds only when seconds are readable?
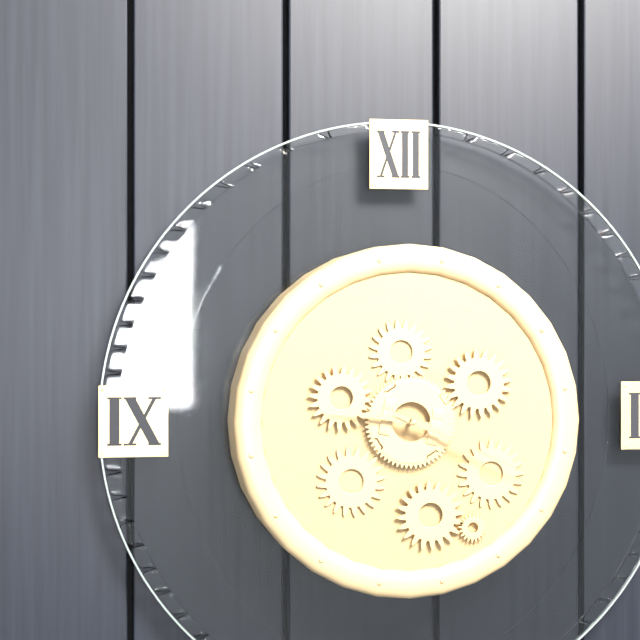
9.19
